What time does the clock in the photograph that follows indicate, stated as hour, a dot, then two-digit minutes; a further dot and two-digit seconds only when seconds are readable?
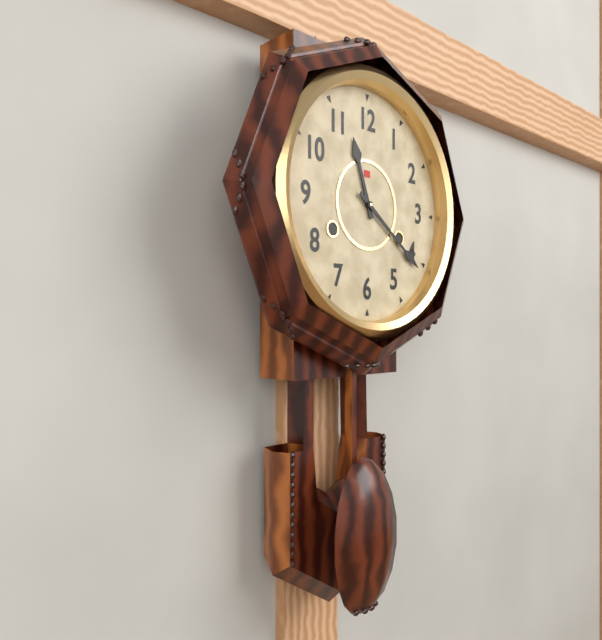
11.21
